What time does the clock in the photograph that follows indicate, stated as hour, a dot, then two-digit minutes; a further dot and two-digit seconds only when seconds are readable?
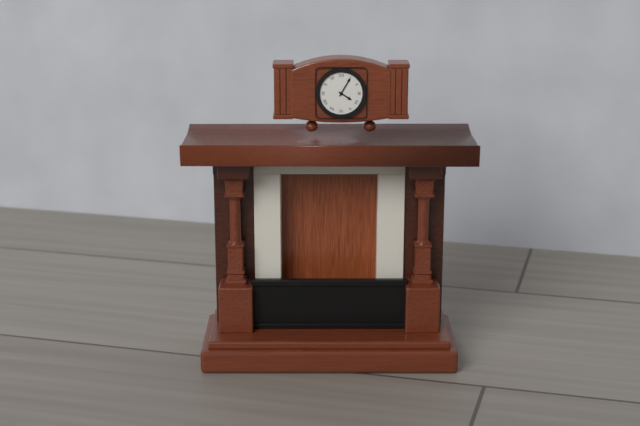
4.05
